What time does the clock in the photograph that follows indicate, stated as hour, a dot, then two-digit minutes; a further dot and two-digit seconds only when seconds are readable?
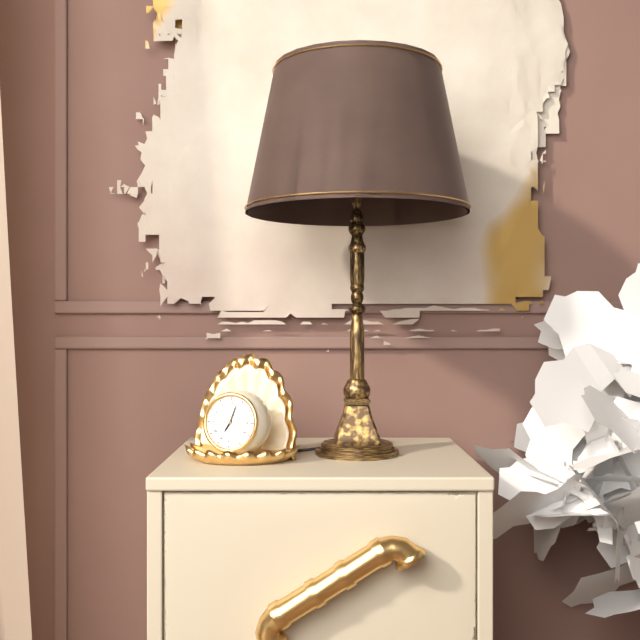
7.03
